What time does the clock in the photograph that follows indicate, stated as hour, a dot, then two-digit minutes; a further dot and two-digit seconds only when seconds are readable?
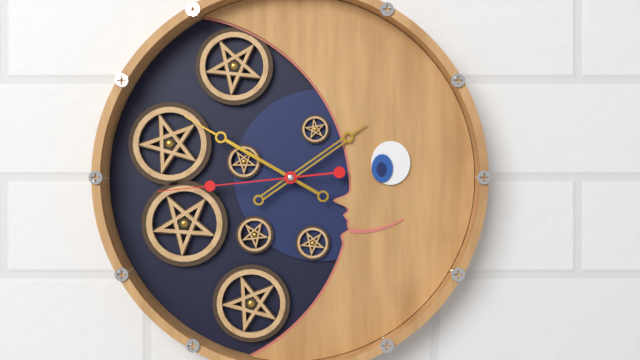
1.50.44
